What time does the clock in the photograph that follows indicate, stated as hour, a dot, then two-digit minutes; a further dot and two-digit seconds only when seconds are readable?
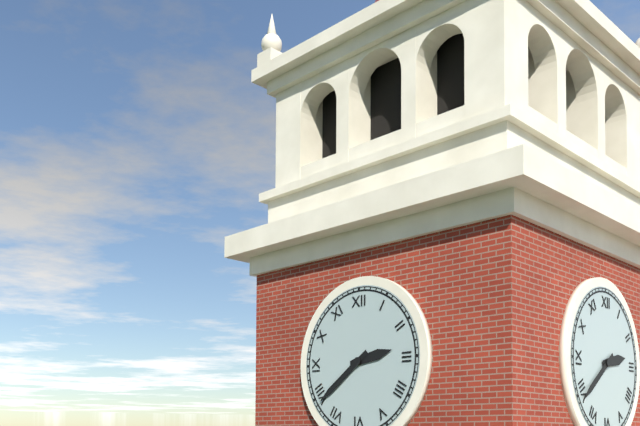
2.39
